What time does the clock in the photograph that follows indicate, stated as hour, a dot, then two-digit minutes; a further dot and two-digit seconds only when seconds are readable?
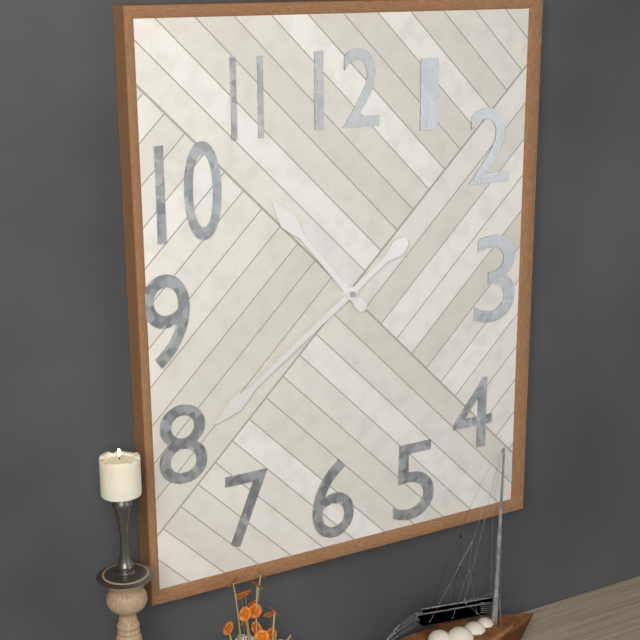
10.39
